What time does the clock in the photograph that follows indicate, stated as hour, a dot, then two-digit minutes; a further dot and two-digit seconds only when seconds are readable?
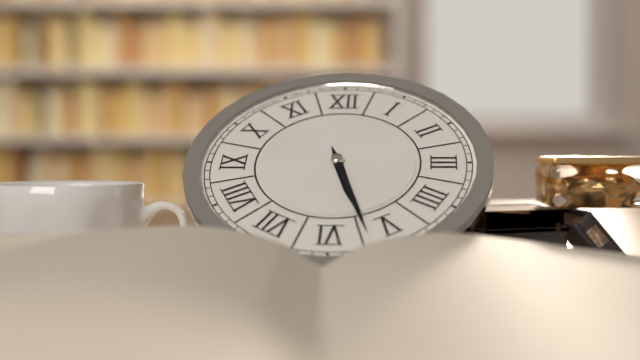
5.27
